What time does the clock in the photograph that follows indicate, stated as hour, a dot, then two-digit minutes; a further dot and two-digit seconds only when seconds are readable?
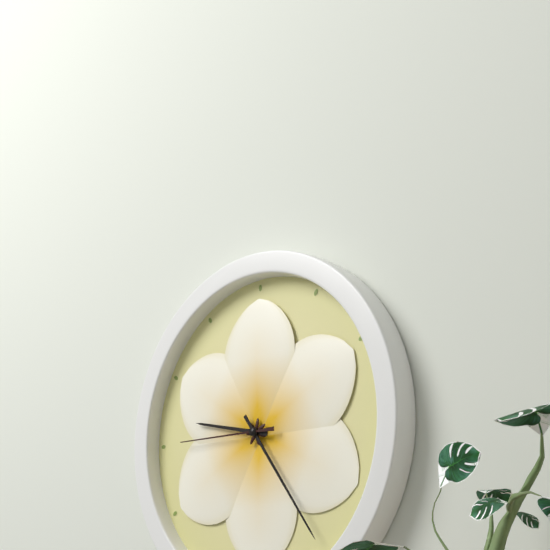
9.24.45
